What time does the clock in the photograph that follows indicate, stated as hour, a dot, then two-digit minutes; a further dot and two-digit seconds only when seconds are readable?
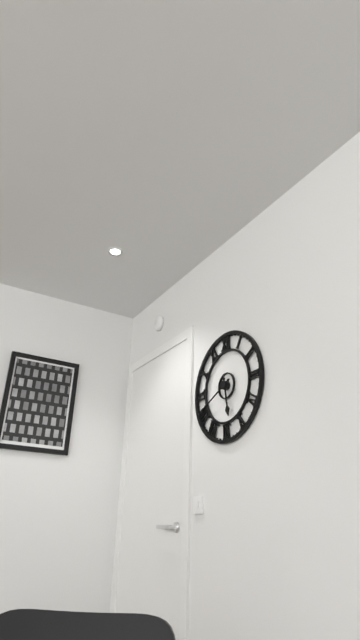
5.41
